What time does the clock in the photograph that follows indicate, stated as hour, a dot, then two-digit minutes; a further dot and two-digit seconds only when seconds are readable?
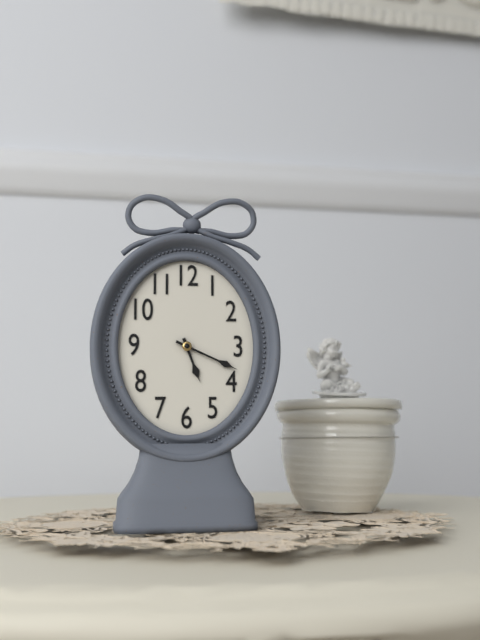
5.19
